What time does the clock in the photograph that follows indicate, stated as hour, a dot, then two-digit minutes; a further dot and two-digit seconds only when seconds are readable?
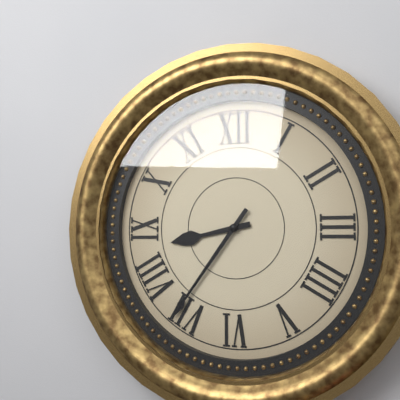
8.36
